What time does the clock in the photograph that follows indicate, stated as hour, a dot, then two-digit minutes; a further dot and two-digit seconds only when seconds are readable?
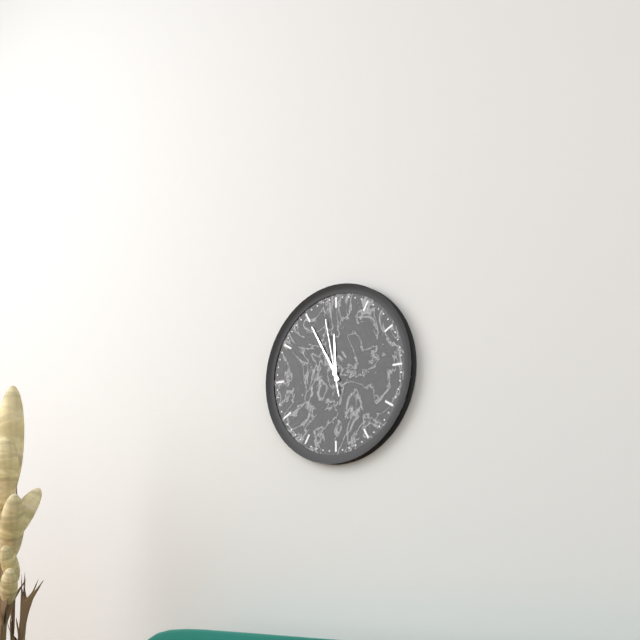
11.55.58
